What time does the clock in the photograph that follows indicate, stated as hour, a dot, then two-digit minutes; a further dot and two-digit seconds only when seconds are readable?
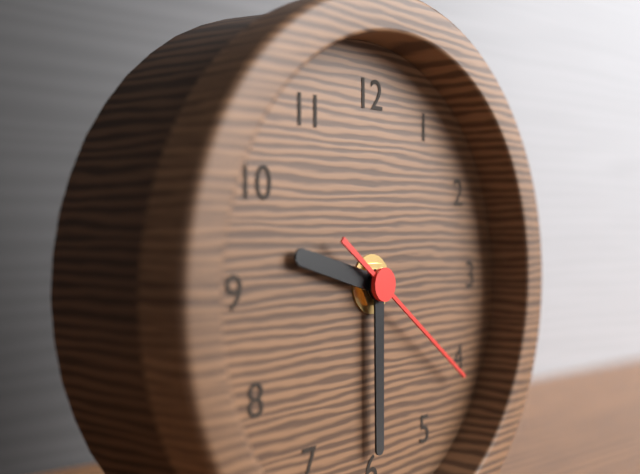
9.30.21
